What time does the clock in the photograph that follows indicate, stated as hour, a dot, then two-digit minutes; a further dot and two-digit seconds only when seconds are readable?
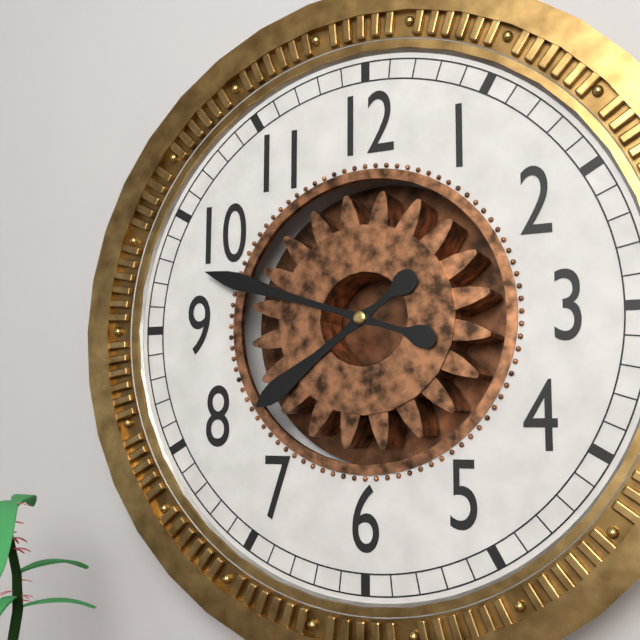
7.48
